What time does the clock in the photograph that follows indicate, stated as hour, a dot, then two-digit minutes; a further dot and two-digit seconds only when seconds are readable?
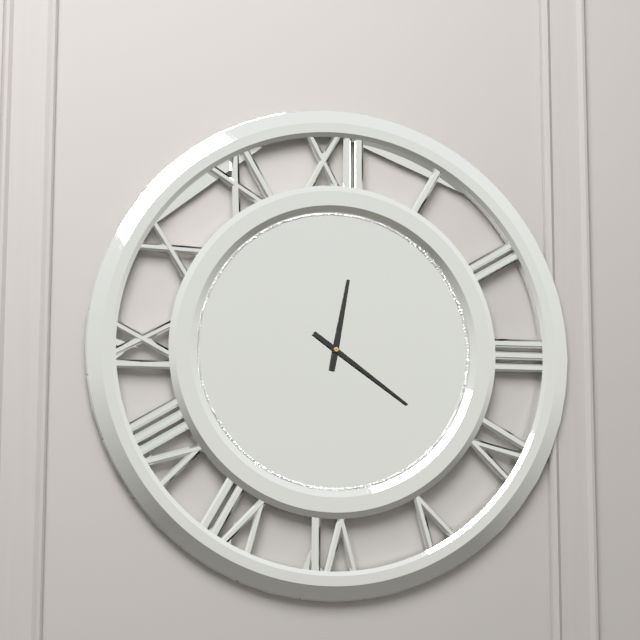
12.21
